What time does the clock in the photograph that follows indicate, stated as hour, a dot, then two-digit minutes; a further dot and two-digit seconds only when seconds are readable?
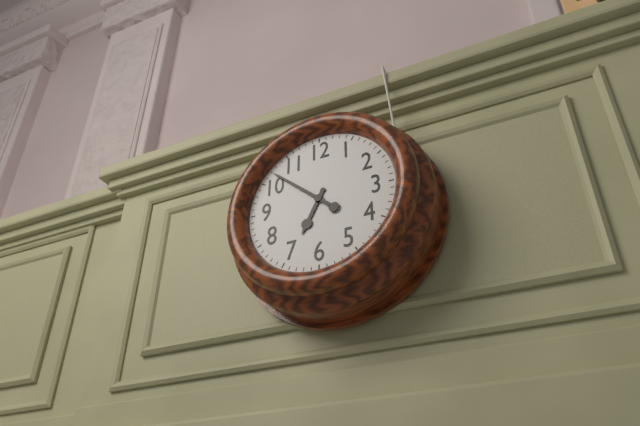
6.52
